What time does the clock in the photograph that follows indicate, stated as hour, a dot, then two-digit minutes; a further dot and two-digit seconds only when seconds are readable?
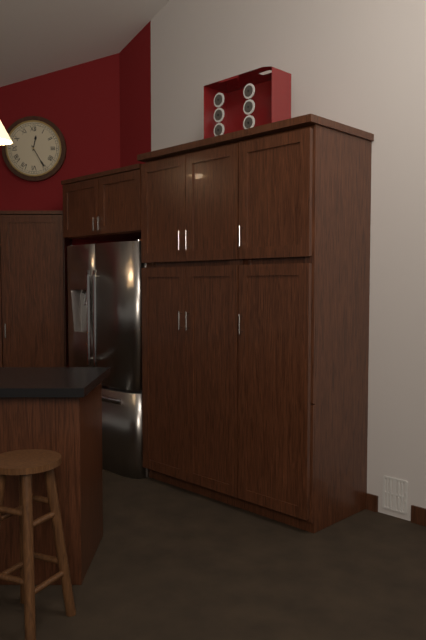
12.25
